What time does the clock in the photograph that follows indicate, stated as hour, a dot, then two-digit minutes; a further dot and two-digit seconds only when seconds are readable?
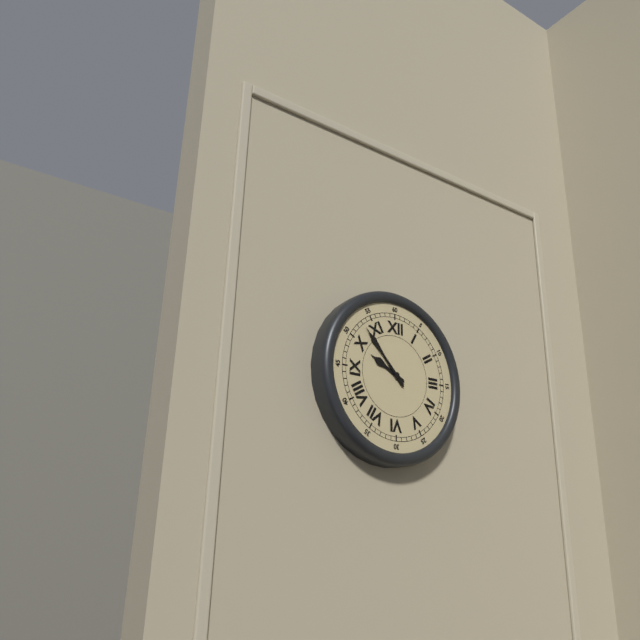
9.53
